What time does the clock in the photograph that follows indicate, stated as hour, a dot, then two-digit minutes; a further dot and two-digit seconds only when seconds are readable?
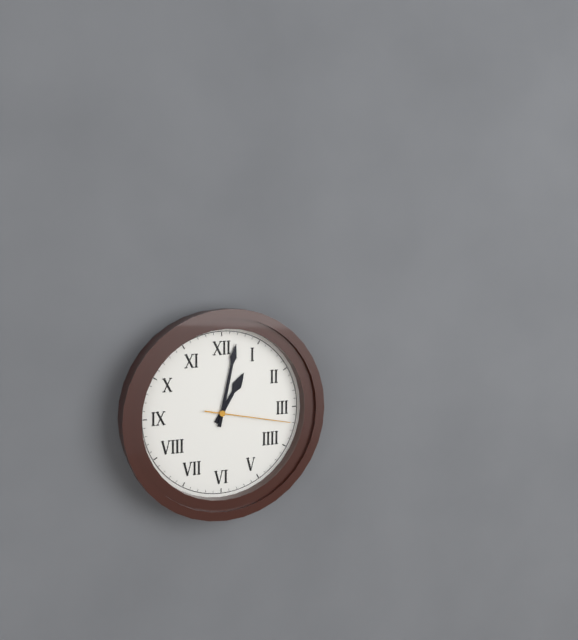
1.02.17
